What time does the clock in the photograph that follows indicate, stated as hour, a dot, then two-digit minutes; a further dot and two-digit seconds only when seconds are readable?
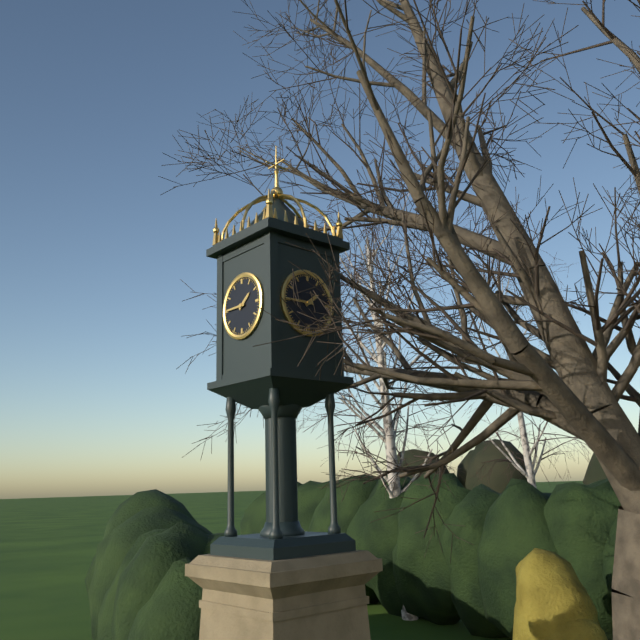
1.45
